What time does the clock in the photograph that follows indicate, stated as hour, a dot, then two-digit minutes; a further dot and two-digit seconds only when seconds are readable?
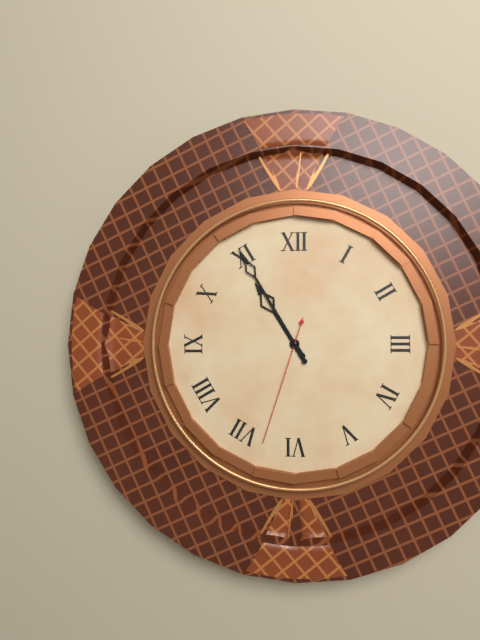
10.55.33
